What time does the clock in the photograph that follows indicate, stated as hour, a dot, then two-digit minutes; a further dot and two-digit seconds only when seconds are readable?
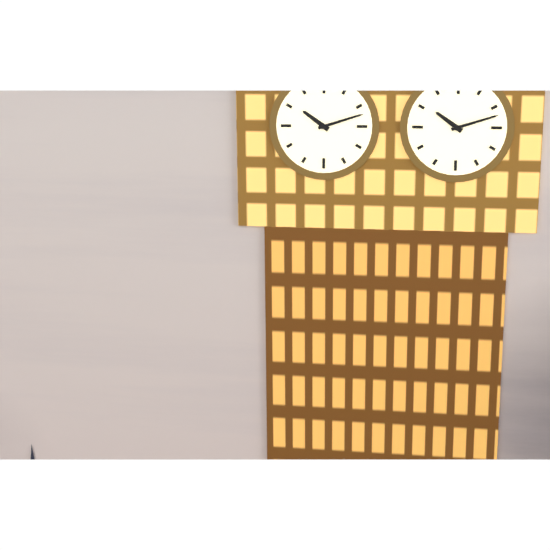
10.12
